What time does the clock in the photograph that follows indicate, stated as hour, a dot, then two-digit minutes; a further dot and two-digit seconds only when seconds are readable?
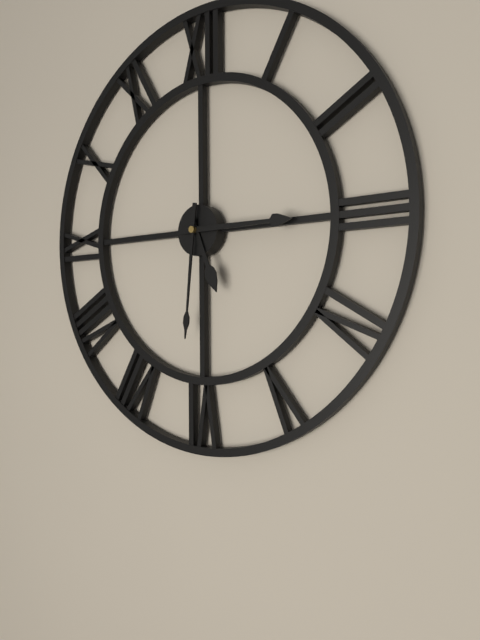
5.15.31
